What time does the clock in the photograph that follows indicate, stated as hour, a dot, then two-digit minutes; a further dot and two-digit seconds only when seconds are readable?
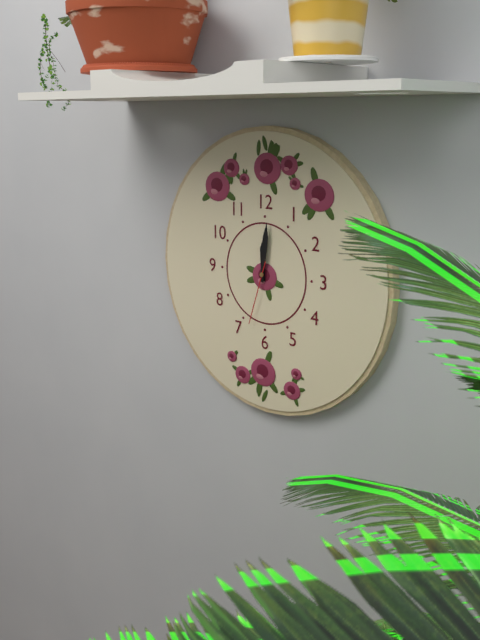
12.01.33
